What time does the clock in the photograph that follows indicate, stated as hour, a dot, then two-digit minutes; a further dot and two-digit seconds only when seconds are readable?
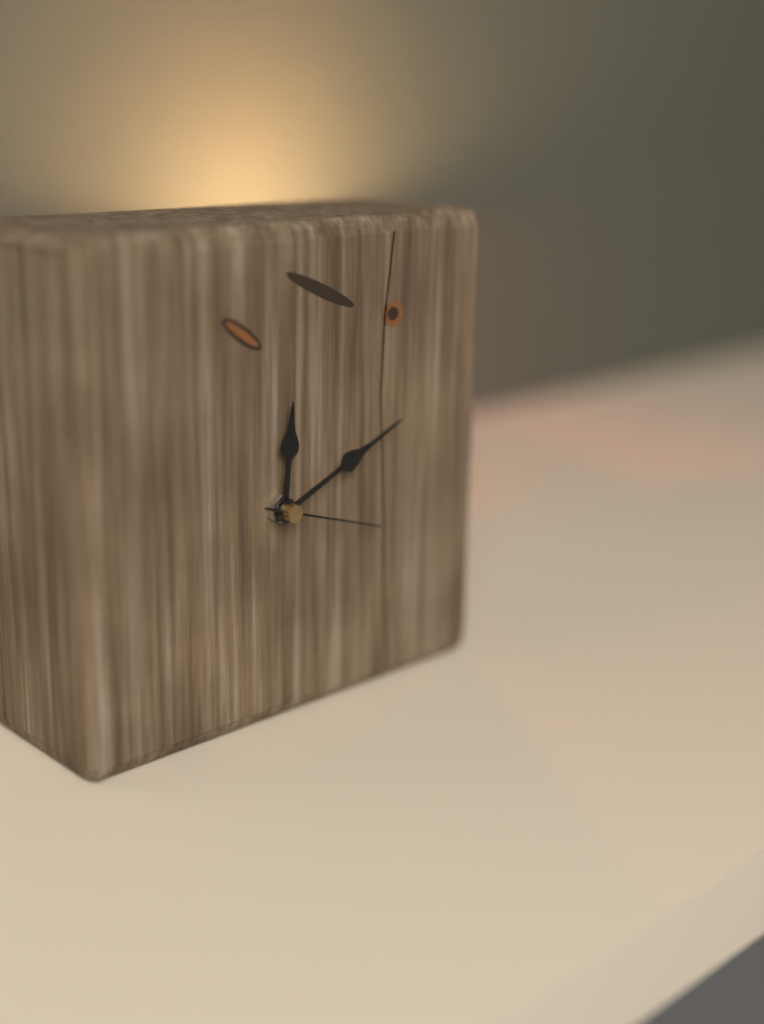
12.11.18
